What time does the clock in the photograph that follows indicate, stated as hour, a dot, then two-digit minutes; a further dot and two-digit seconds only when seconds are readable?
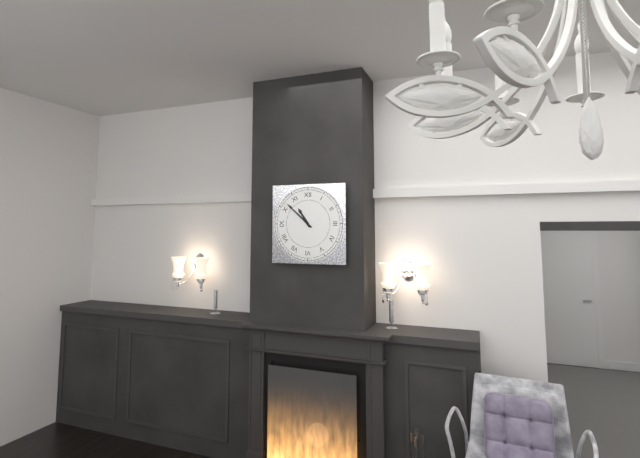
10.52
